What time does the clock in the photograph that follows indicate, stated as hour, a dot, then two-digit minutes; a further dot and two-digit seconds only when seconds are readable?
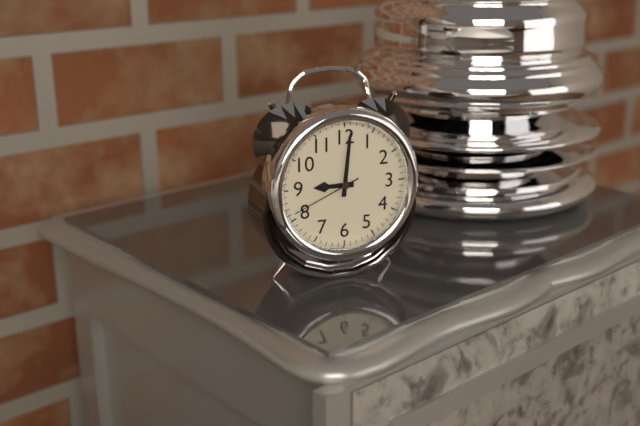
9.01.41
